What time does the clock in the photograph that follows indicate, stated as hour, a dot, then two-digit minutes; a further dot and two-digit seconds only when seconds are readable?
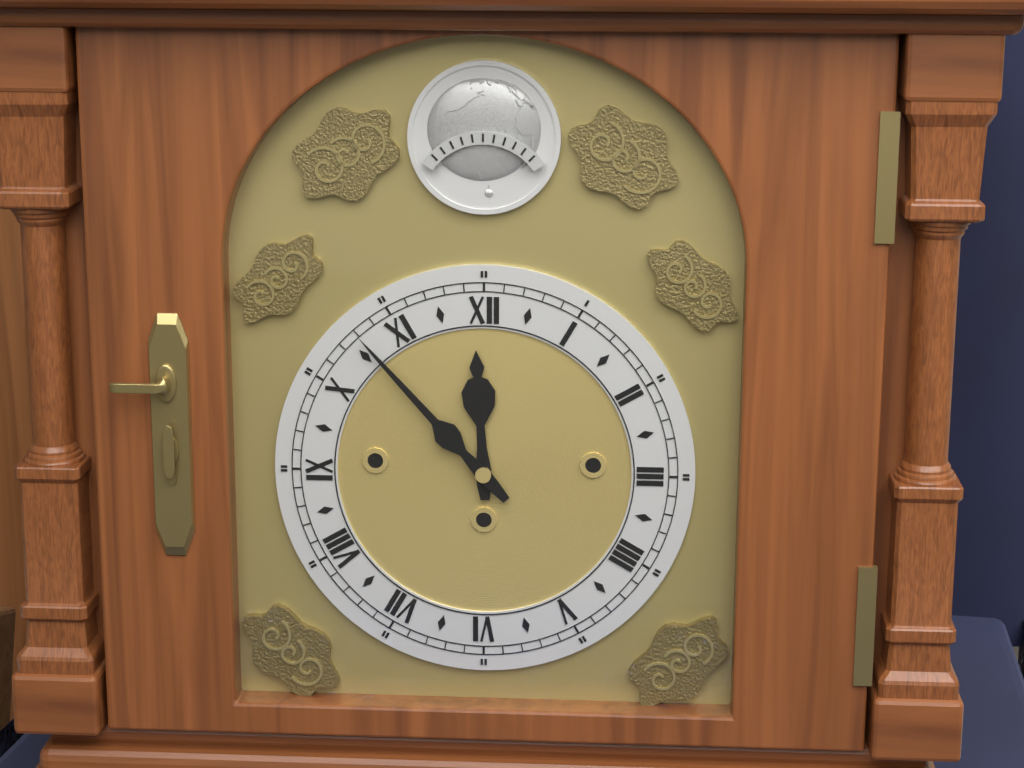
11.53
